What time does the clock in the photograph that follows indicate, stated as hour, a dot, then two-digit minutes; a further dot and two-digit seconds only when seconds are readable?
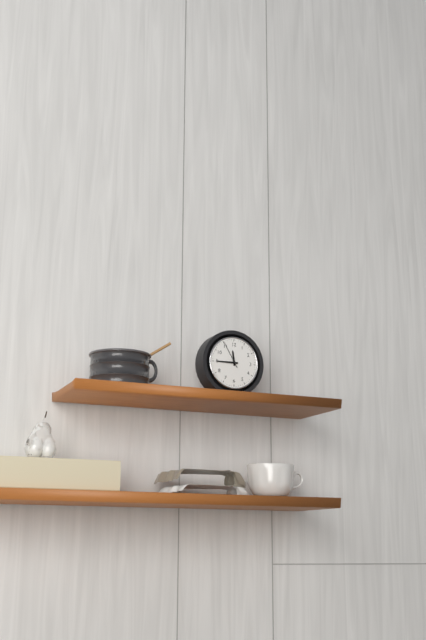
11.45
